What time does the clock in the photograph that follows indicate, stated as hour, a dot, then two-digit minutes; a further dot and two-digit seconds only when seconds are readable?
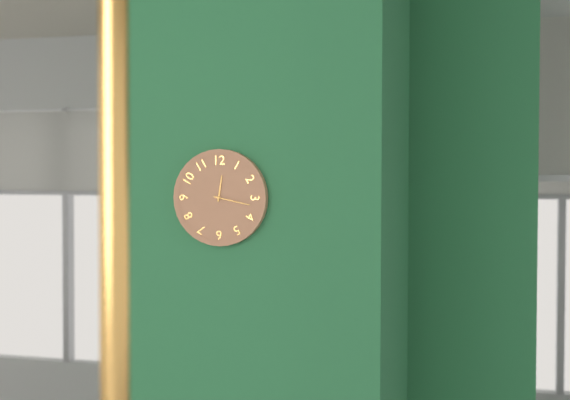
12.17
